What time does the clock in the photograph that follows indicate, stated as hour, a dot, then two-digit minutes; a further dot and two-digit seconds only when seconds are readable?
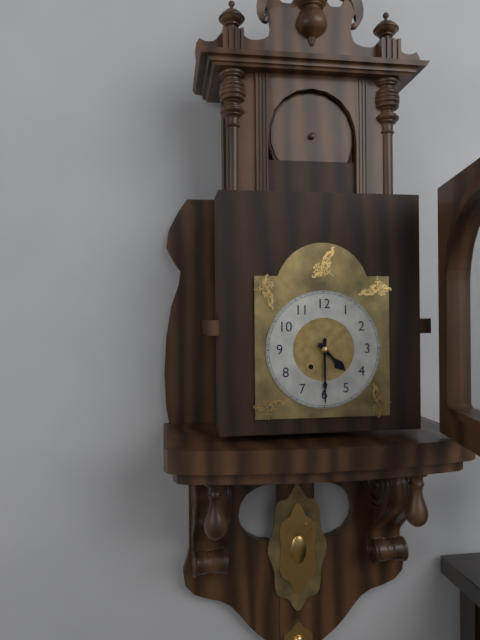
4.30
